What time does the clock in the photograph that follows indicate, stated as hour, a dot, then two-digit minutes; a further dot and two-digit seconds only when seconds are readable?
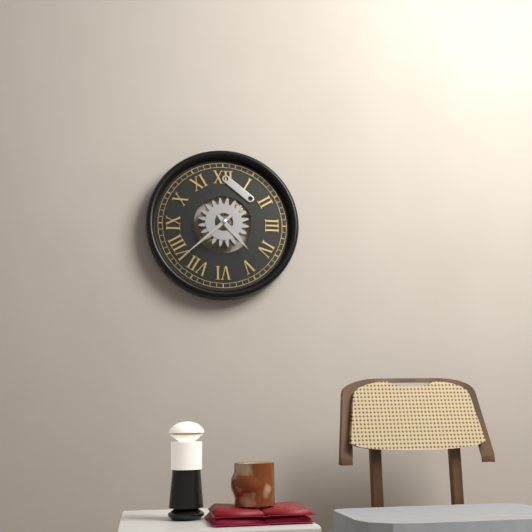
4.38
